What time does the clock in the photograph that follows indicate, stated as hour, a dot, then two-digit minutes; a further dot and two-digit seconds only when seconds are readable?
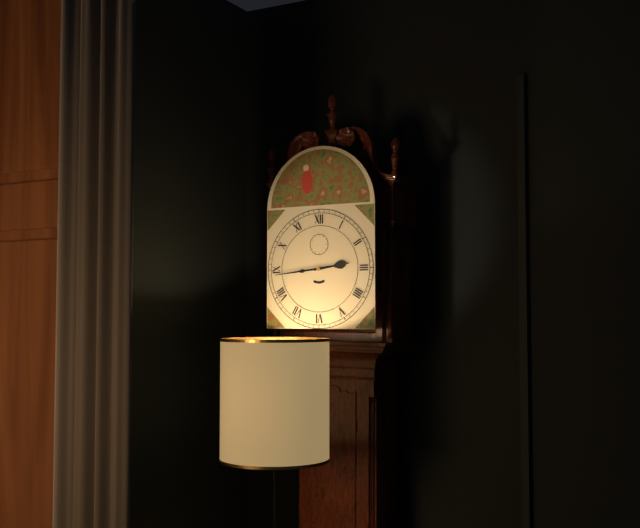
2.44
